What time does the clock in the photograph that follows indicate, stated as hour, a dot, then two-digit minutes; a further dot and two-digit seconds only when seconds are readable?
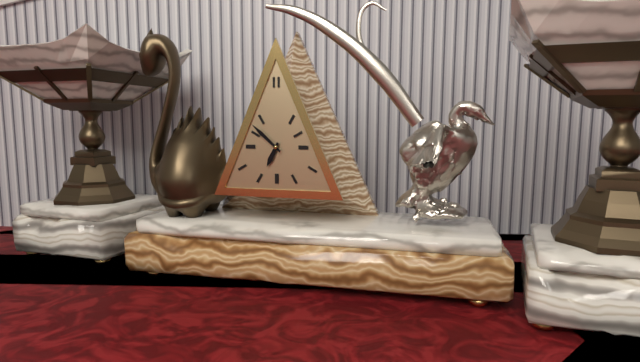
6.52
